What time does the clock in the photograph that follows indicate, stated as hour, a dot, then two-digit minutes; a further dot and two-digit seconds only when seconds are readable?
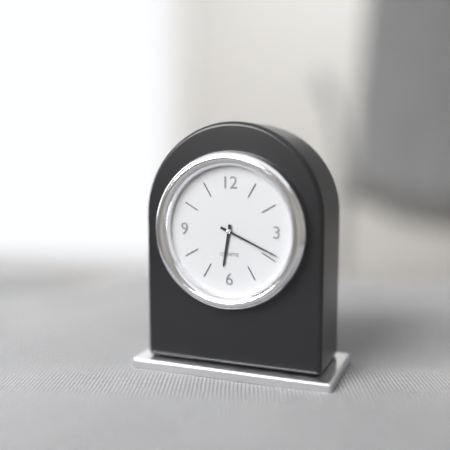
6.19
